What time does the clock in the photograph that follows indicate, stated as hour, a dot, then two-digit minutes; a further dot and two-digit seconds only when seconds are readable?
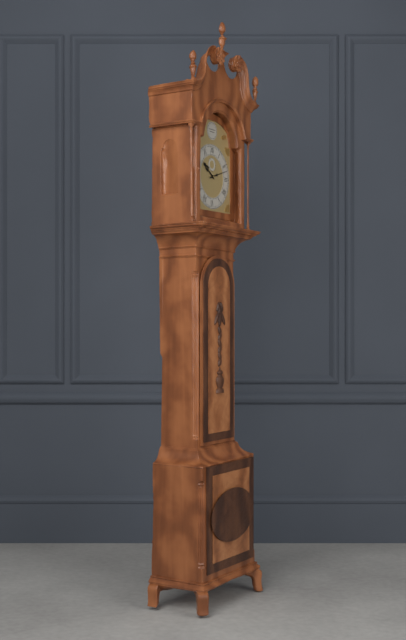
10.12
